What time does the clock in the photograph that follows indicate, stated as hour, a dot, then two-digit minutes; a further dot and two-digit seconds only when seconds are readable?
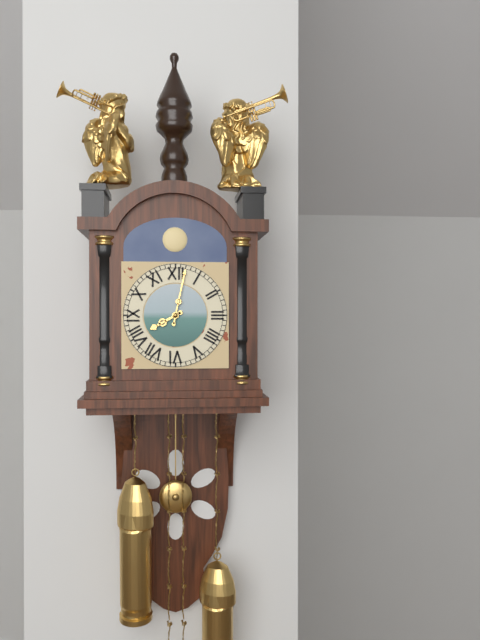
8.02
